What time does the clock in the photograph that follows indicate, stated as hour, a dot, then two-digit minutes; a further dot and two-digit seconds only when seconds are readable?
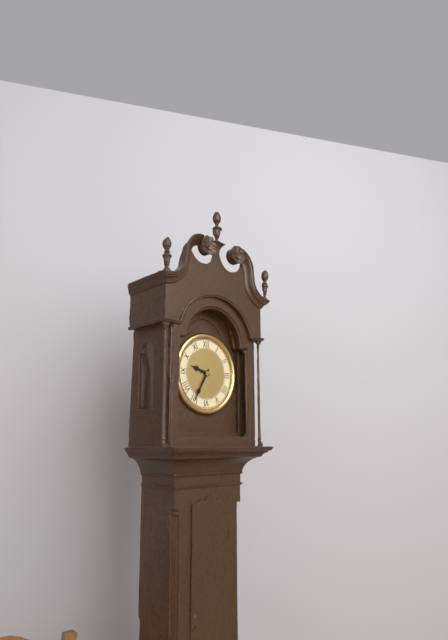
9.35
